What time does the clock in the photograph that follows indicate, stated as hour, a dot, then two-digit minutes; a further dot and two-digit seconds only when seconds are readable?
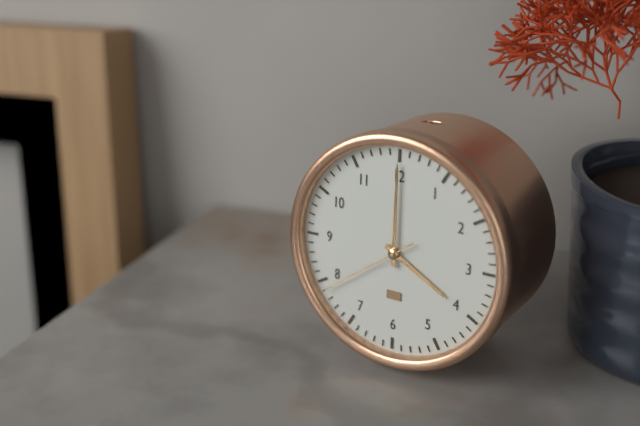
4.00.39
